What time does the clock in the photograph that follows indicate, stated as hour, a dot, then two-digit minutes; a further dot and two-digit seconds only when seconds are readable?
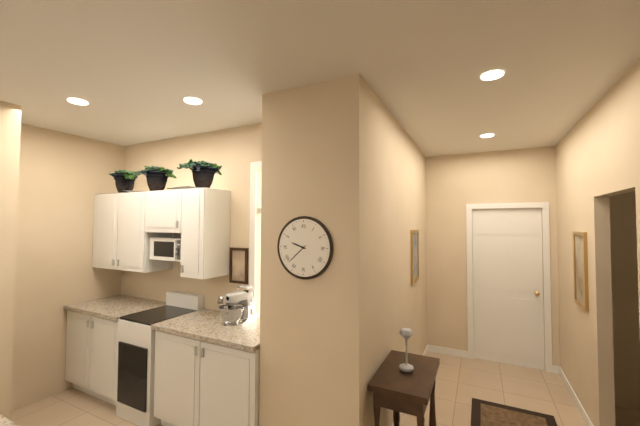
9.38
